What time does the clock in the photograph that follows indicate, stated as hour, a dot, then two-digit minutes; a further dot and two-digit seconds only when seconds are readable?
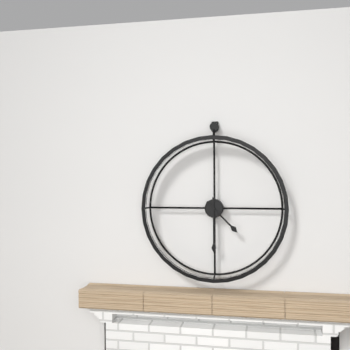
4.30
